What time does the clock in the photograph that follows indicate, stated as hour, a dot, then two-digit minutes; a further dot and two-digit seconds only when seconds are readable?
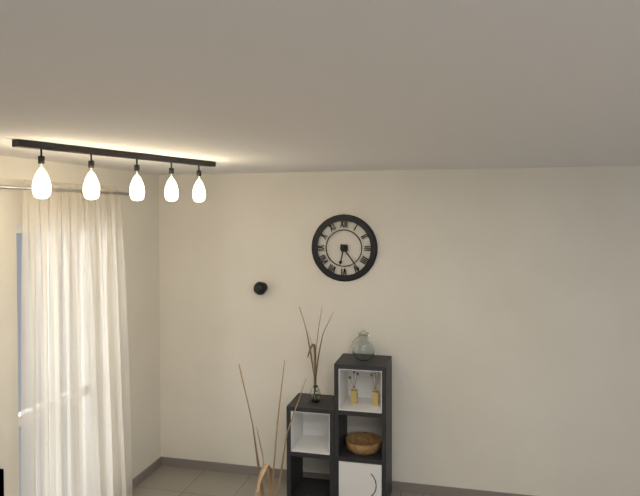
6.24
